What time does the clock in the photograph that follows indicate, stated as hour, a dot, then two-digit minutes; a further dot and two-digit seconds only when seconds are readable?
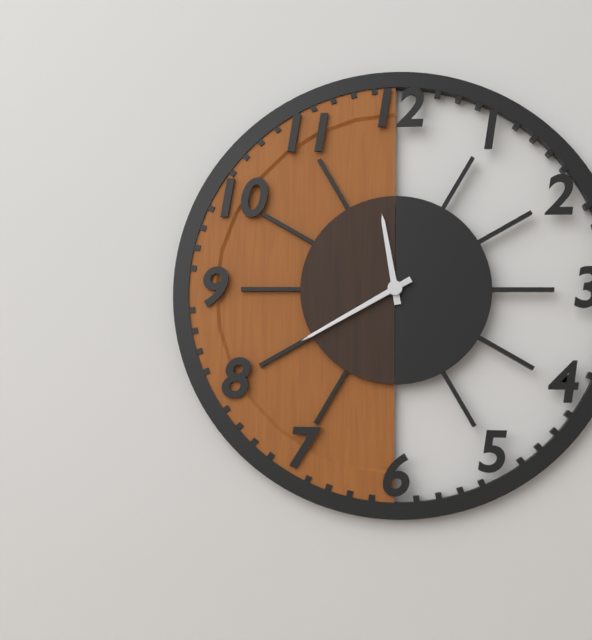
11.40
